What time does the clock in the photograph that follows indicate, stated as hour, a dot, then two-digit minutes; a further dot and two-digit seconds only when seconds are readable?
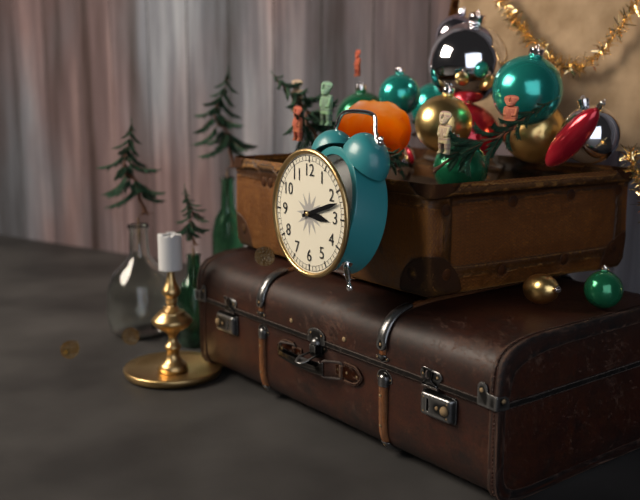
3.12
